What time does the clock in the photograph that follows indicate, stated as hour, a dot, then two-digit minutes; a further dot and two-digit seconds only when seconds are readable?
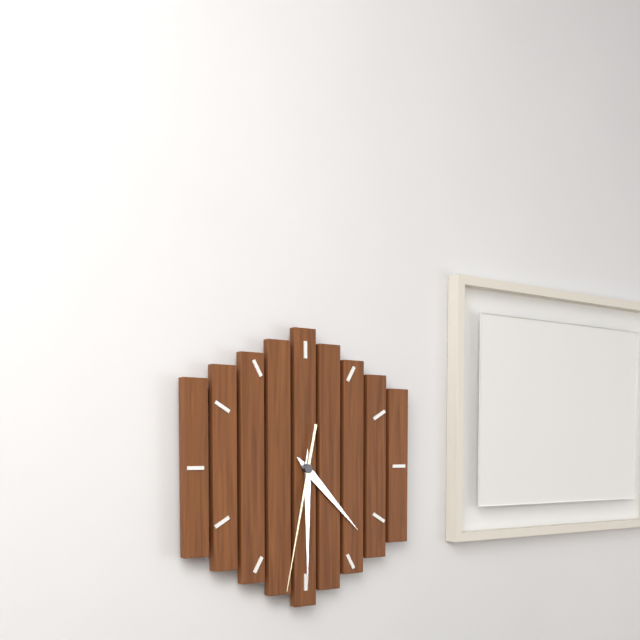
4.30.32
